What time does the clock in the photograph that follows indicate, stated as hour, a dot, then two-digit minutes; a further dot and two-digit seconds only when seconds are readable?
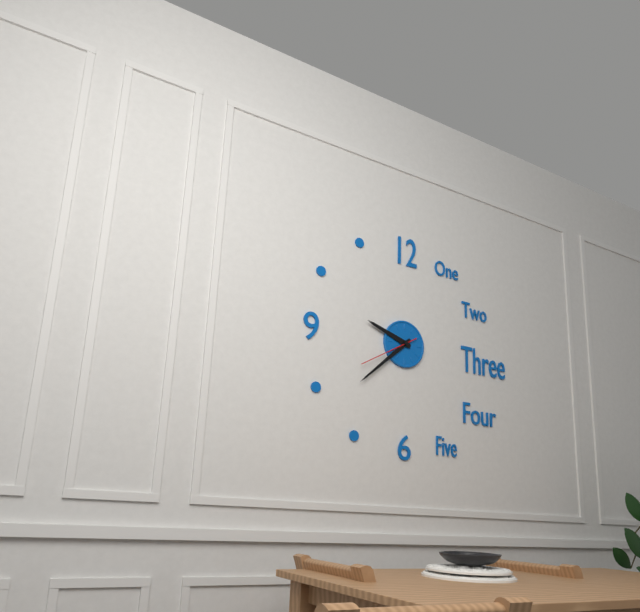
9.38.40
